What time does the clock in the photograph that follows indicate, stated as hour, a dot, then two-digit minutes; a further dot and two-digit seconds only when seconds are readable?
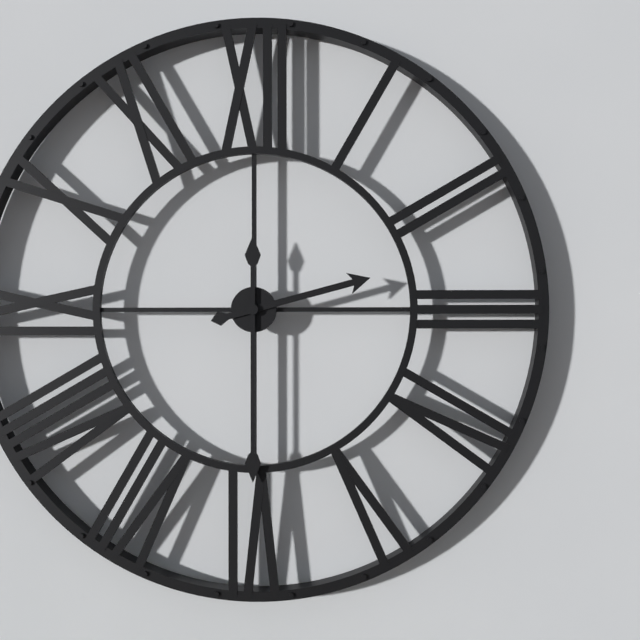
2.30
